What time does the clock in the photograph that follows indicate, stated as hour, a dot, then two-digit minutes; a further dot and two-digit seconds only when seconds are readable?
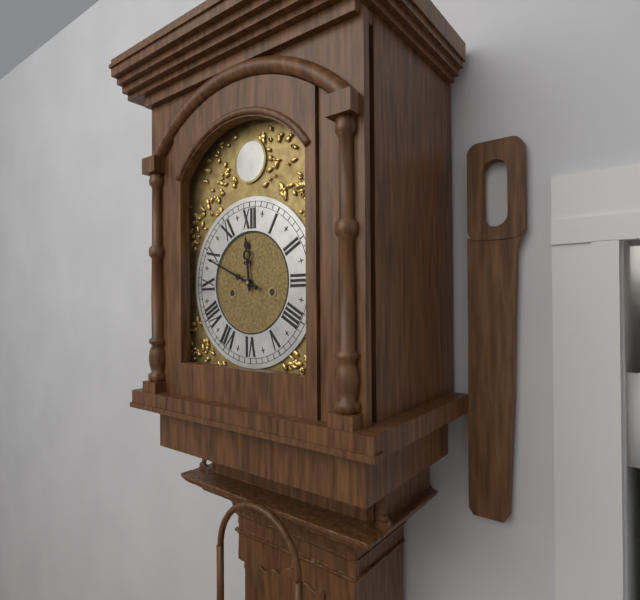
11.49
